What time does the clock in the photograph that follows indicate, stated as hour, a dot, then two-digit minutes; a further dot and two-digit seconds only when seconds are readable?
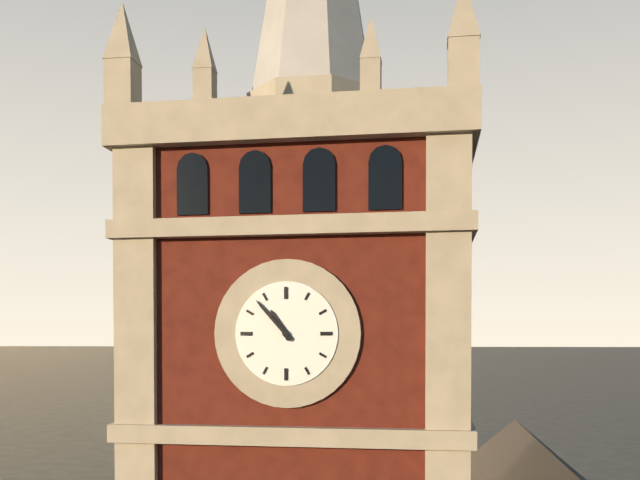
10.53
